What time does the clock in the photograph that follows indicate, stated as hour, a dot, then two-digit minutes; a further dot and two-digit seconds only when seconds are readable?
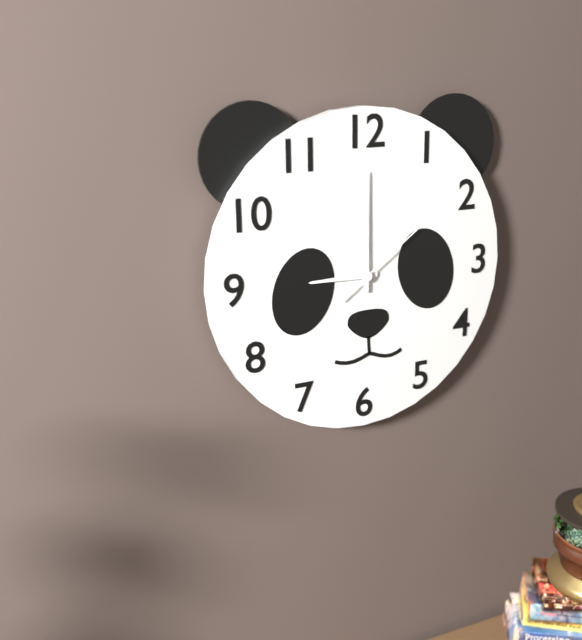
9.00.09
